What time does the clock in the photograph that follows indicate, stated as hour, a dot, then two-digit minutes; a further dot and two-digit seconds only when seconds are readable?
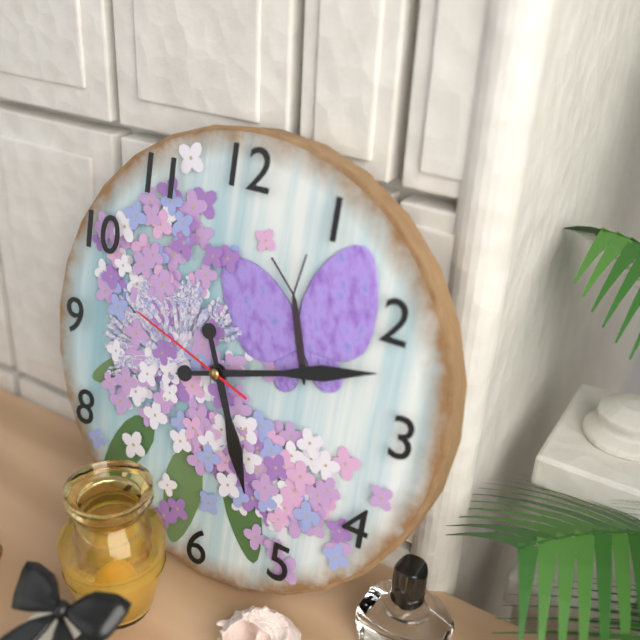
5.12.48
